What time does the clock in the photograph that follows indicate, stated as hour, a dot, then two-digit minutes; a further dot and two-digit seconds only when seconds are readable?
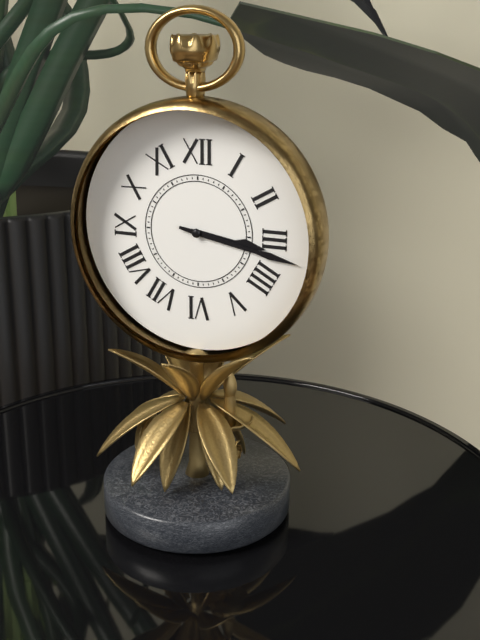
3.17
